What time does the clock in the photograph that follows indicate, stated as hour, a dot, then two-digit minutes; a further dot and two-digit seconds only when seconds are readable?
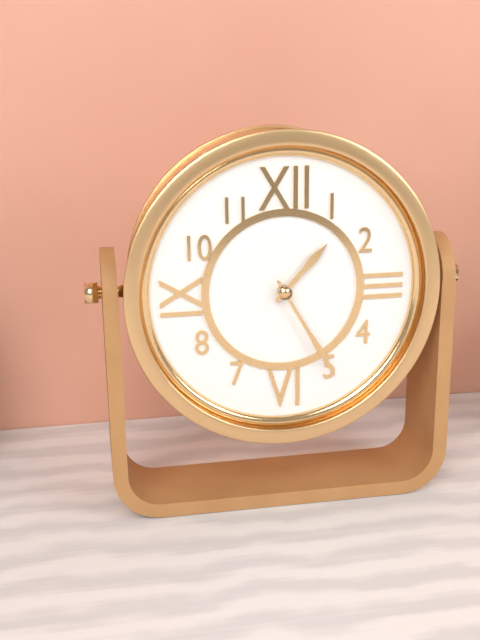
1.25
